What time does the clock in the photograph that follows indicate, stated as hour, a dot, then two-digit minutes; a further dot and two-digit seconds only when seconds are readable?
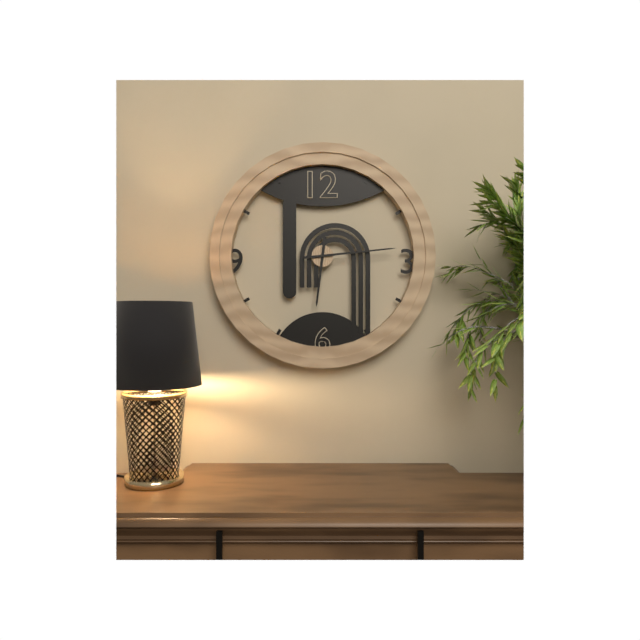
6.14
